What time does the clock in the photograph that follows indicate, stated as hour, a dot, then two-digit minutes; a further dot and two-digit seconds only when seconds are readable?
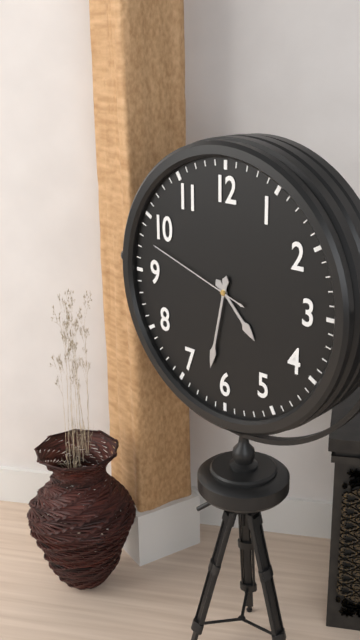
4.32.48
